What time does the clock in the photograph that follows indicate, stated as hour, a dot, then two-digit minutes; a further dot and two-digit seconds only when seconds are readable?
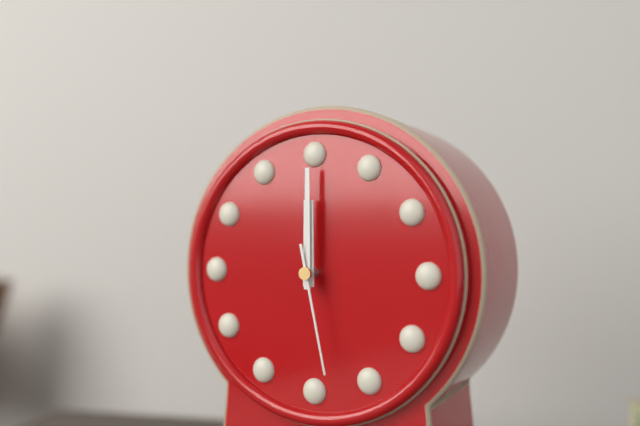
12.00.28
